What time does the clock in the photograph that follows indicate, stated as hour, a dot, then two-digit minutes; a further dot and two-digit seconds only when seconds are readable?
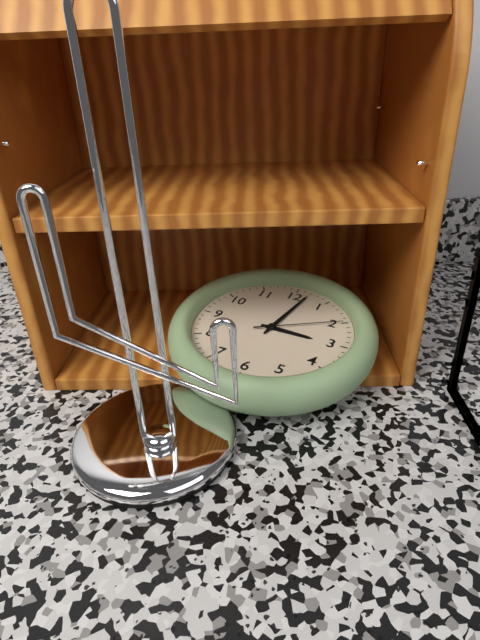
3.02.10
